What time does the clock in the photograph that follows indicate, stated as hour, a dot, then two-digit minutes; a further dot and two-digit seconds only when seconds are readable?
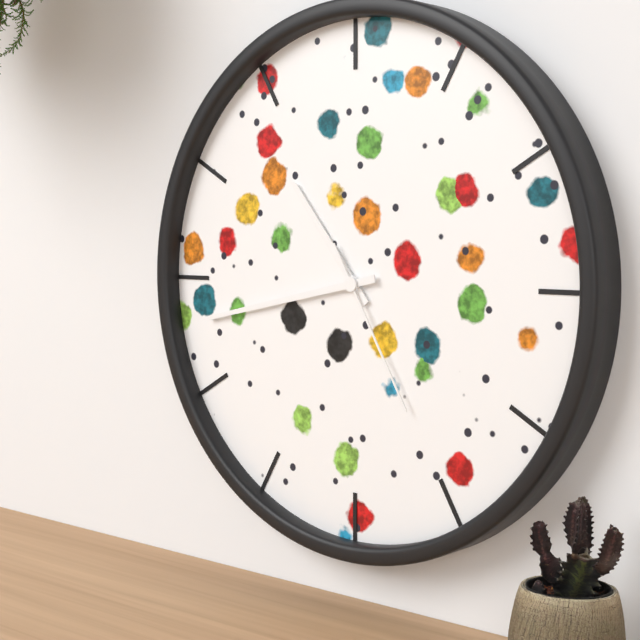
10.43.25
